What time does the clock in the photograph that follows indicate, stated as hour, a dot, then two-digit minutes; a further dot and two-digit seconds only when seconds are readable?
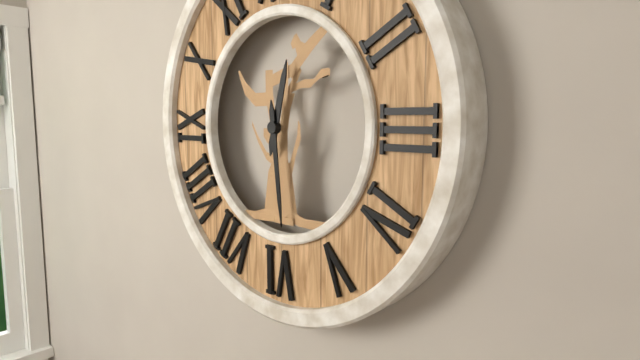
12.29
